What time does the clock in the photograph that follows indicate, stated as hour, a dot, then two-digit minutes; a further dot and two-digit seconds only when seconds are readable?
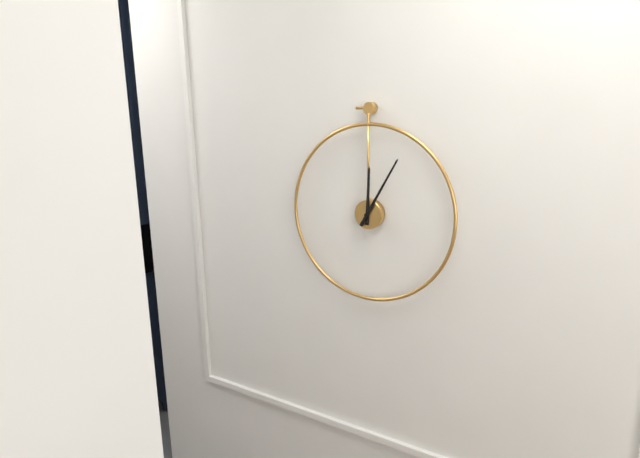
12.05
